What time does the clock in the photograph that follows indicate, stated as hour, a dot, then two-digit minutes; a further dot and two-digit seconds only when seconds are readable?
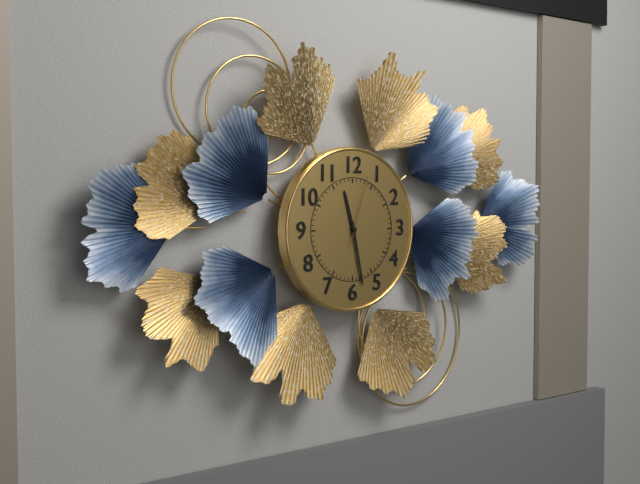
11.28.03
